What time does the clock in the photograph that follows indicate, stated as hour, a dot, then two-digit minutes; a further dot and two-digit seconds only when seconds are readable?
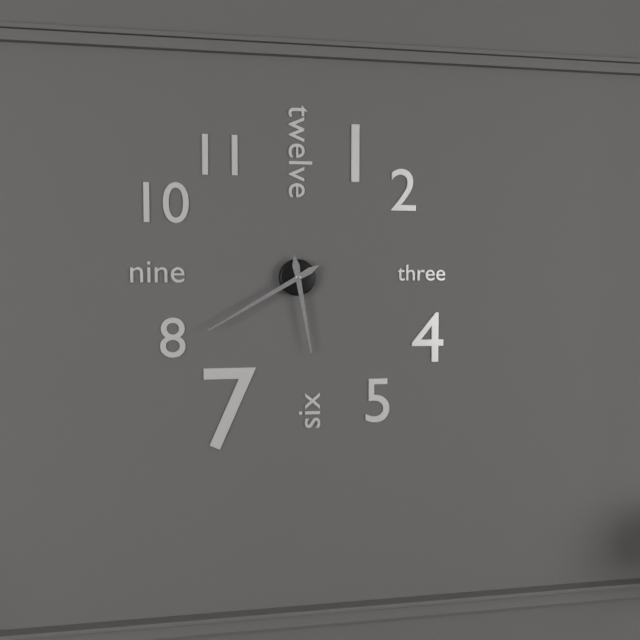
5.40
